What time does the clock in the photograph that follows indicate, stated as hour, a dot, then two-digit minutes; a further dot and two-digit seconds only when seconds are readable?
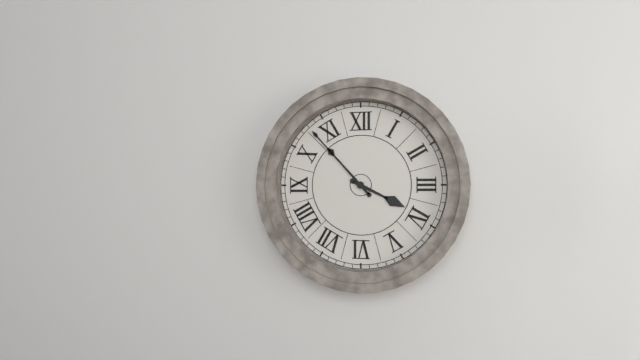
3.53
